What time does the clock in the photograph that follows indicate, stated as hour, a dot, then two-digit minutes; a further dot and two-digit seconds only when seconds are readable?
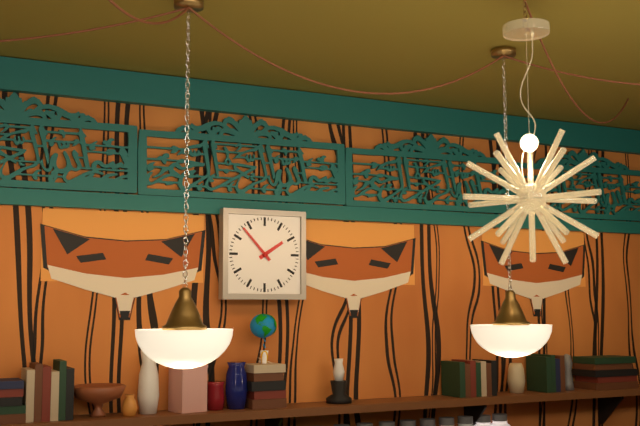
1.53
